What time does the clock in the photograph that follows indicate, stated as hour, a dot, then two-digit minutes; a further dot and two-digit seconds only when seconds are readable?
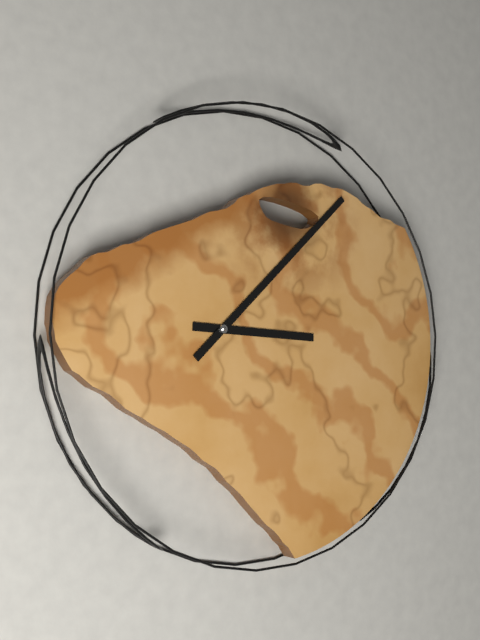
3.08
